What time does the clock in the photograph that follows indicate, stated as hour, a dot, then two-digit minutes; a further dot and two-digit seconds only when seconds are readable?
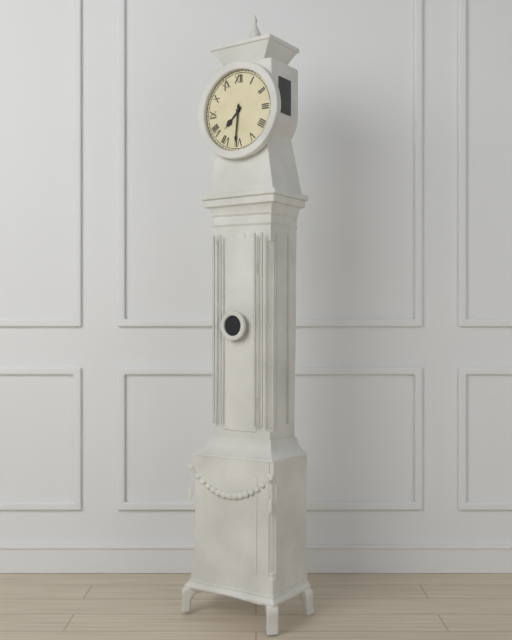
7.31
